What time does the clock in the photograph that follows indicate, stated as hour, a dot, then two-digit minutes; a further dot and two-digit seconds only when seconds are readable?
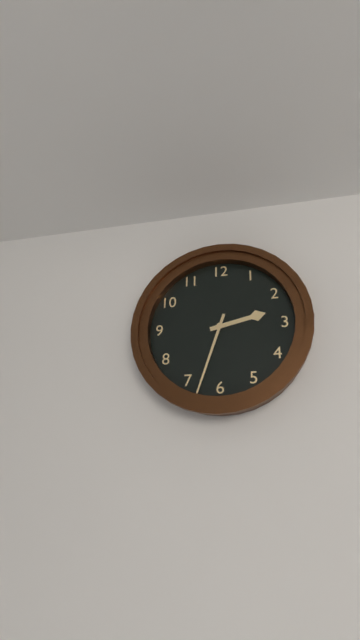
2.33
